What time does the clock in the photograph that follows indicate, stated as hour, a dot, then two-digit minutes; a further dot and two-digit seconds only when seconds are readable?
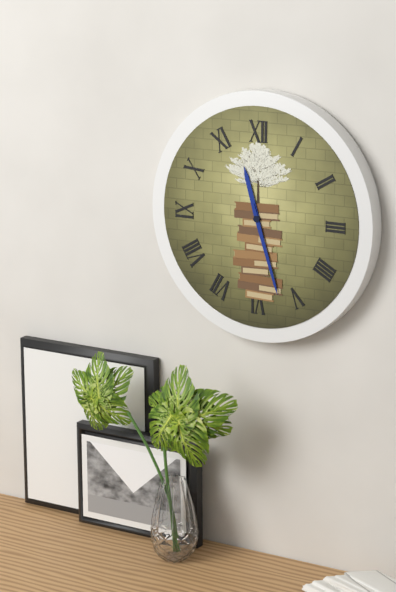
11.27
